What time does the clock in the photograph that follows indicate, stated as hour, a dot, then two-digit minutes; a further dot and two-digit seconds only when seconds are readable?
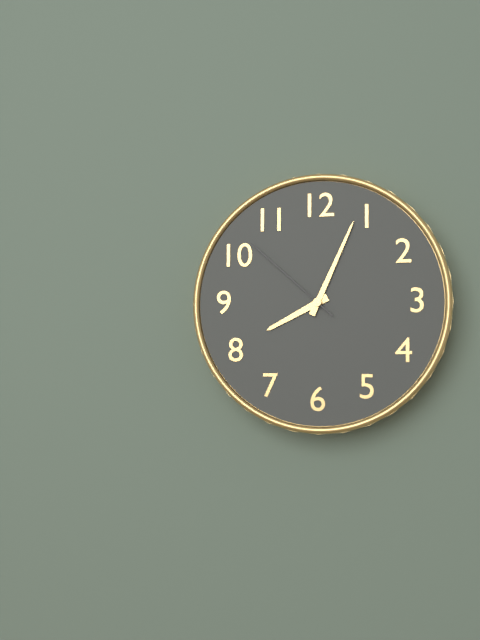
8.04.52
